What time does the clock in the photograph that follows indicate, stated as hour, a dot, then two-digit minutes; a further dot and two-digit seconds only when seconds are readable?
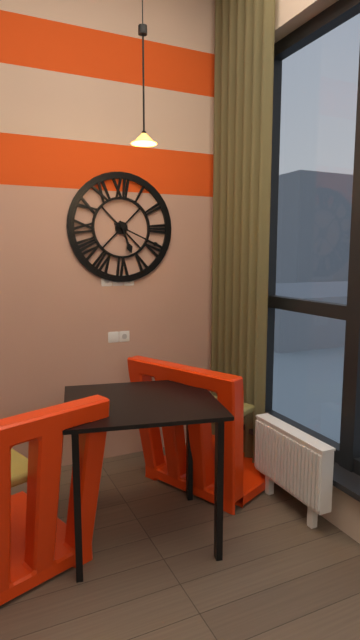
5.19
